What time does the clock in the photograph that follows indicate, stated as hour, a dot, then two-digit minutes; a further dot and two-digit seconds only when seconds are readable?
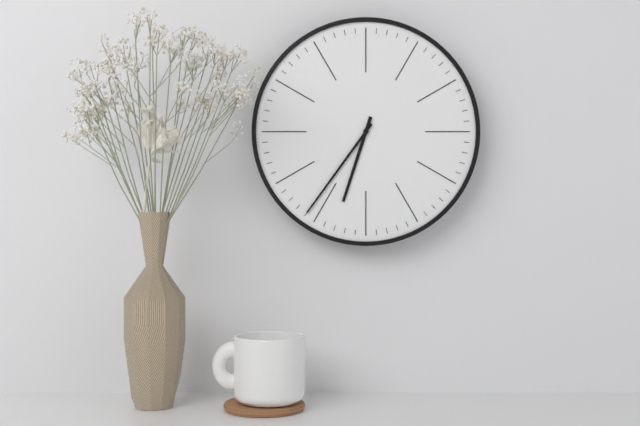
6.36
